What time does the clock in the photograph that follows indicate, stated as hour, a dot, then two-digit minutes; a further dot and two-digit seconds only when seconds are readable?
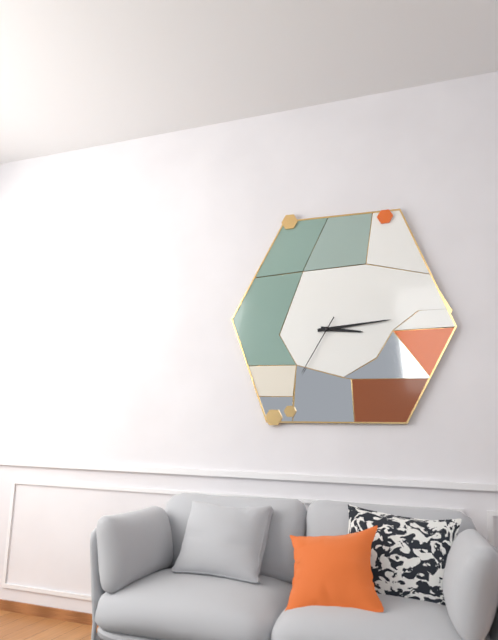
3.14.35
